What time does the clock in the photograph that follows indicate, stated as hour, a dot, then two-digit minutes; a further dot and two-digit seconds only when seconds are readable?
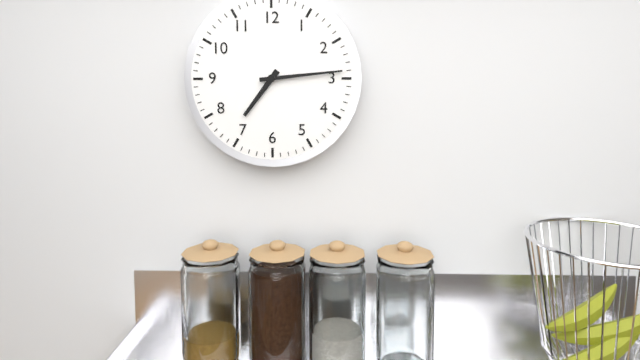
7.14
